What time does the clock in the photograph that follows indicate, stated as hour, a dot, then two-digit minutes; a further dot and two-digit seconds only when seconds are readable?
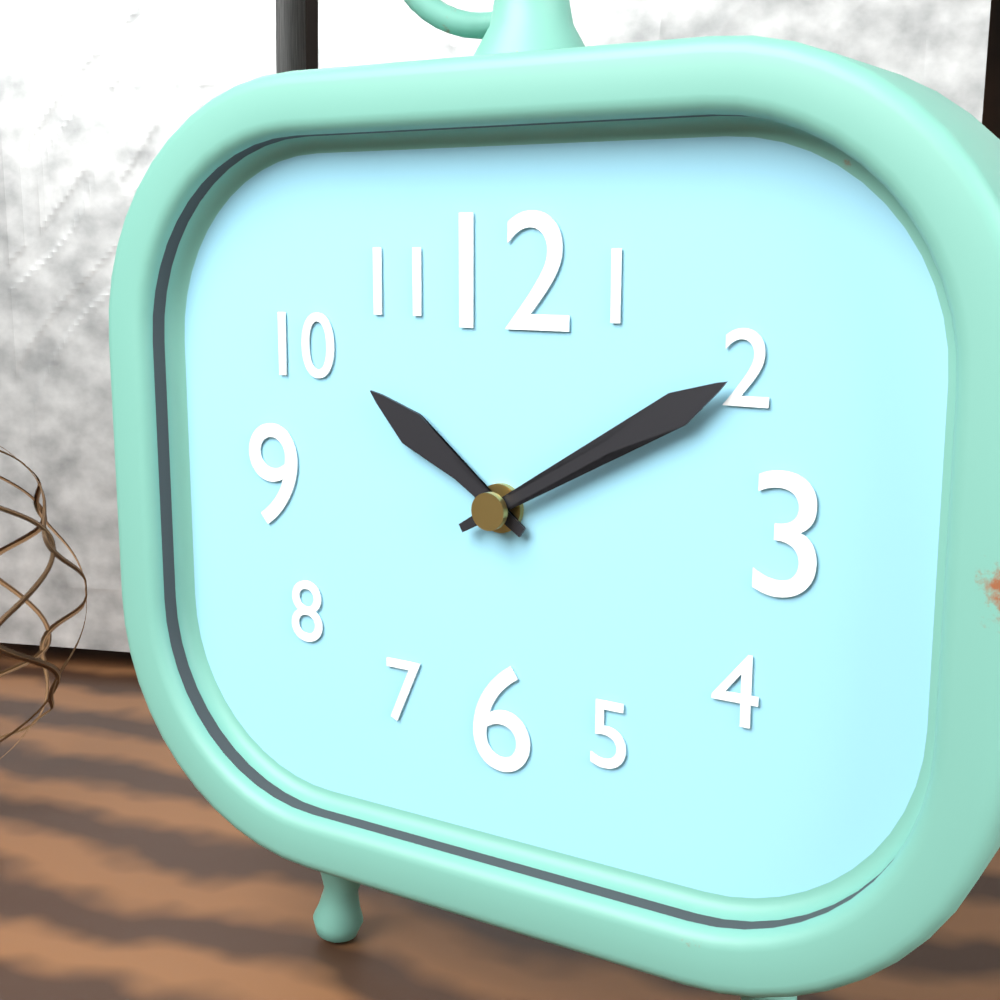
10.10
